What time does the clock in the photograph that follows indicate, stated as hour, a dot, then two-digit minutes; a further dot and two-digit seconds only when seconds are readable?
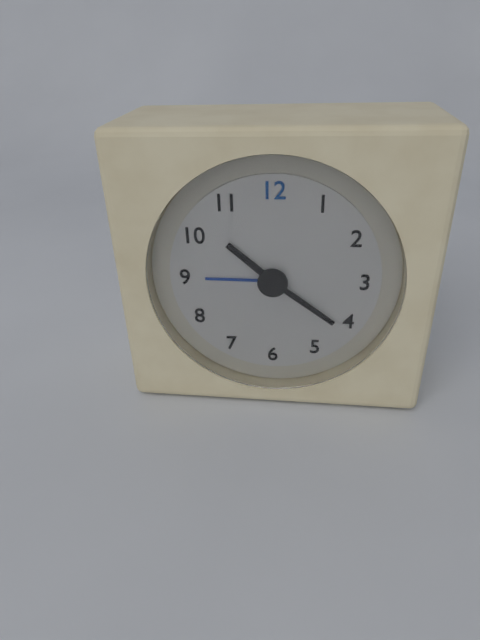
10.21
